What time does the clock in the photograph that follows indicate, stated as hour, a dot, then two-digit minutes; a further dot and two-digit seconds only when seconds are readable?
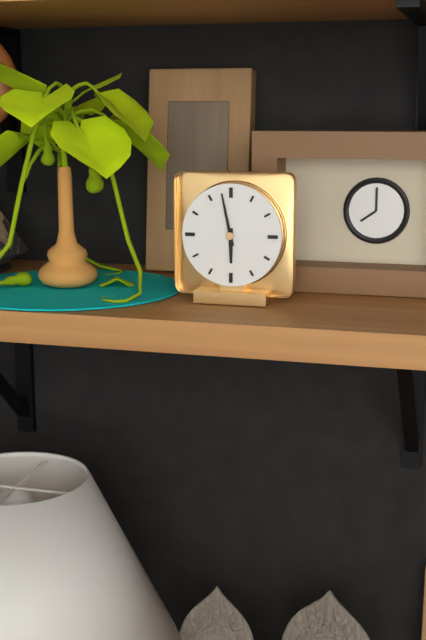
5.58
